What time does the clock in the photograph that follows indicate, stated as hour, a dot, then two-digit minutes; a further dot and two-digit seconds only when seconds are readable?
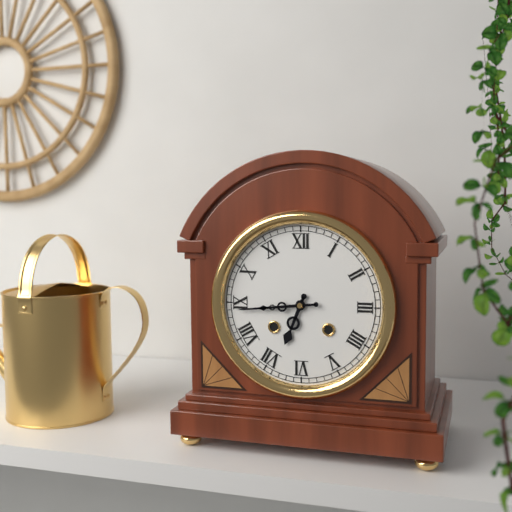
6.44
